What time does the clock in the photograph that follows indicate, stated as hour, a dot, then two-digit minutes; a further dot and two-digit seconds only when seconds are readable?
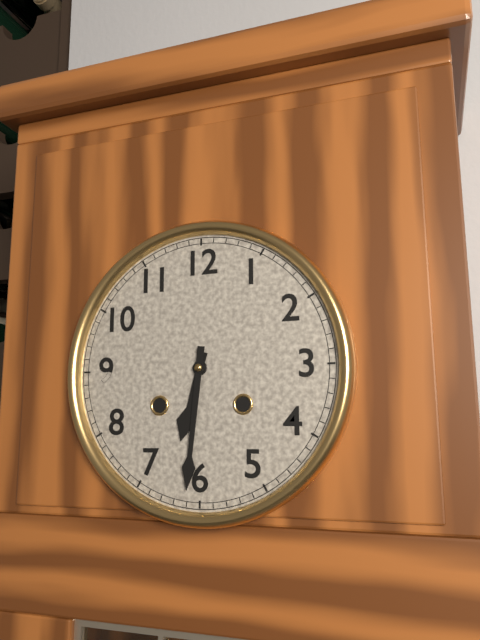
6.31
